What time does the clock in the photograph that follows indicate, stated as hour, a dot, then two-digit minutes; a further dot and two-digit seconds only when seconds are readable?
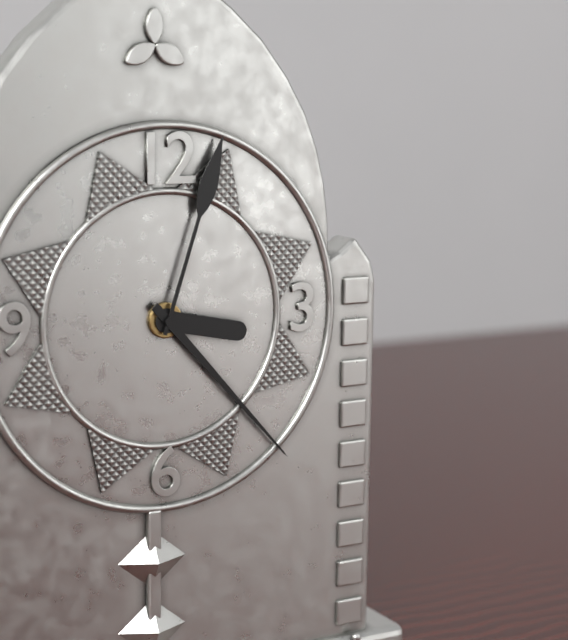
3.23.03
